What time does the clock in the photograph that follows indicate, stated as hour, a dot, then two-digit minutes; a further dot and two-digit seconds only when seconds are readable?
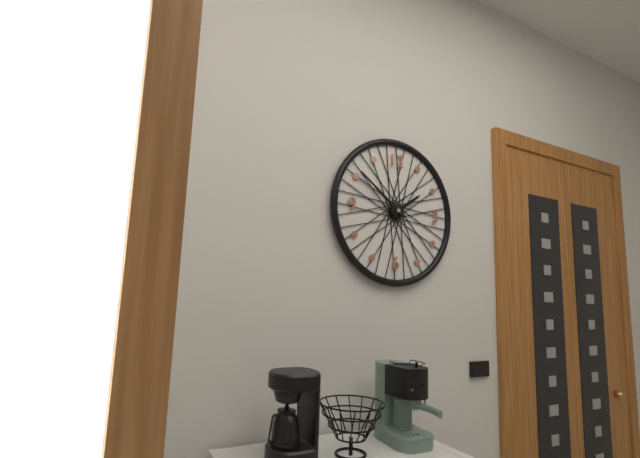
1.51
